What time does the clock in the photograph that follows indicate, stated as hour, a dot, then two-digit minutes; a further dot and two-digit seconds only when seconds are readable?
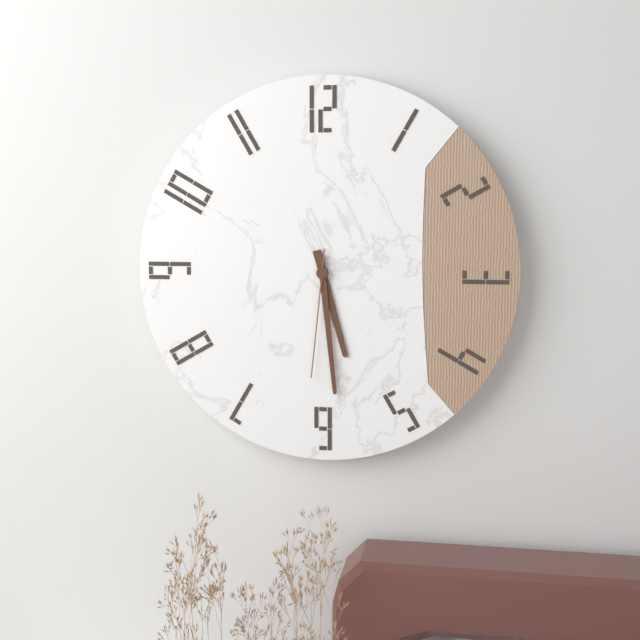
5.29.31
